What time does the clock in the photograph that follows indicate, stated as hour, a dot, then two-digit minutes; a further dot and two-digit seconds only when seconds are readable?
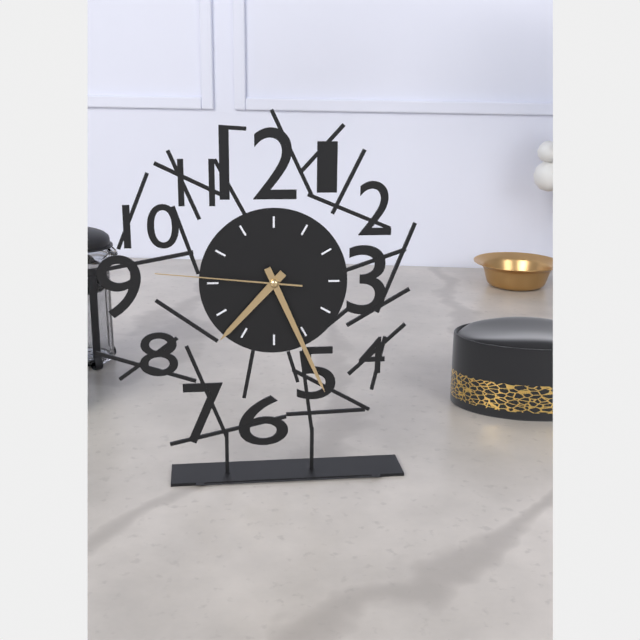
7.26.46
